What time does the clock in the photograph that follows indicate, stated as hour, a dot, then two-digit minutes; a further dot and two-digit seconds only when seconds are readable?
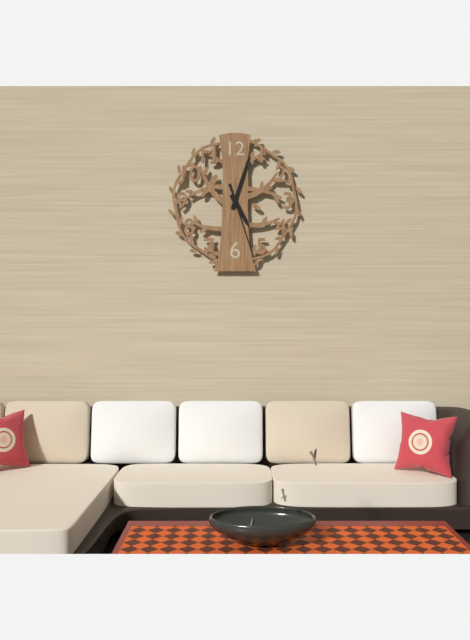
5.03.27
